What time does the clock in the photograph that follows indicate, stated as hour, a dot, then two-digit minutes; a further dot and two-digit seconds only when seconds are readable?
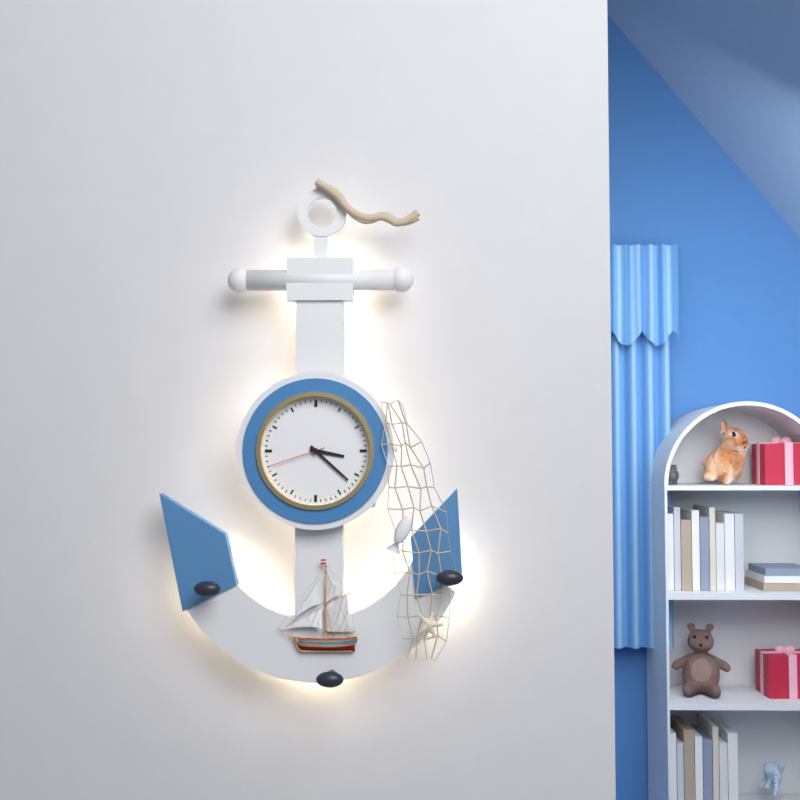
3.22.42
